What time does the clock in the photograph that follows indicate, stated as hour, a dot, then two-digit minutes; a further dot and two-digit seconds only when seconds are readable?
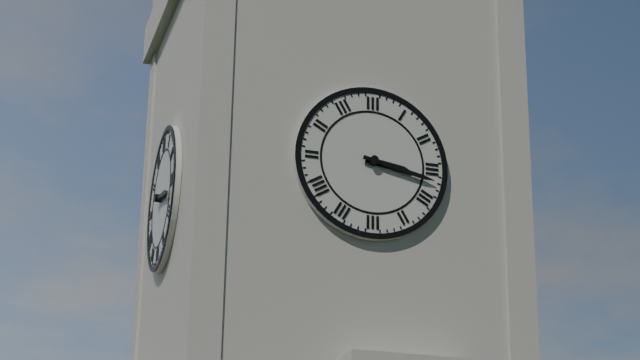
3.17
